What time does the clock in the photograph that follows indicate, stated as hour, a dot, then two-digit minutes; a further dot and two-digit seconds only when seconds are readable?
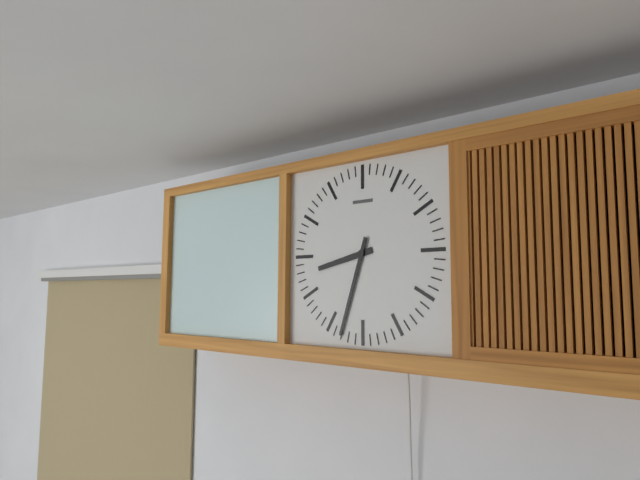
8.33
